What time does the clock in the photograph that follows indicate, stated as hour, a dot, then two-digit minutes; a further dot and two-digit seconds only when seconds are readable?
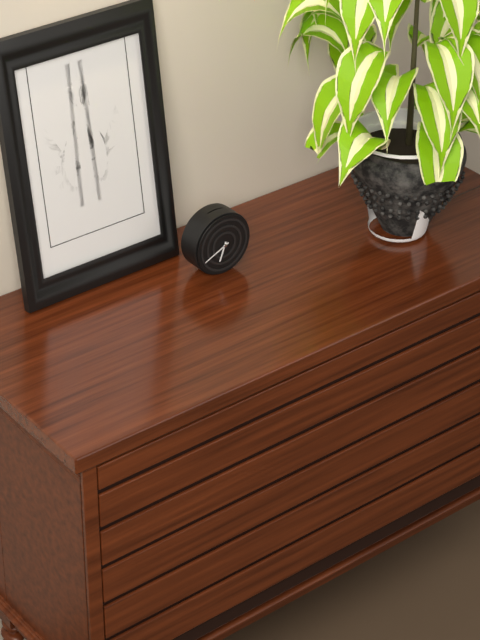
6.41
